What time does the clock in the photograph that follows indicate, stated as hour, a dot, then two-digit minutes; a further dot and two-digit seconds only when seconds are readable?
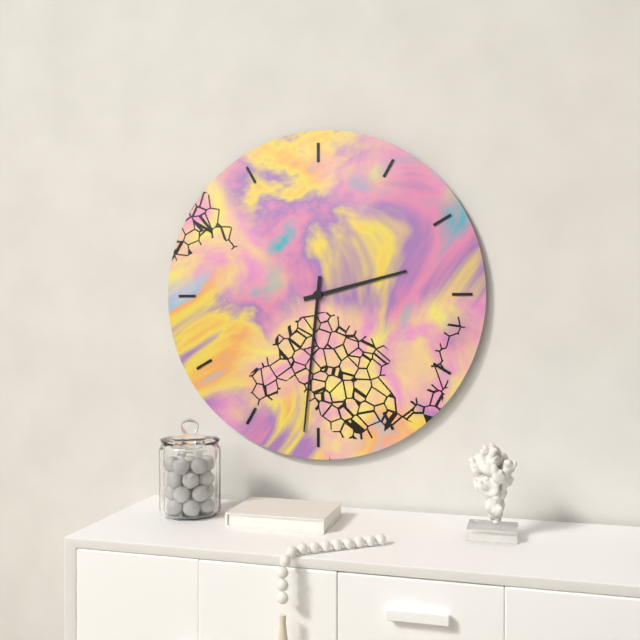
2.31
